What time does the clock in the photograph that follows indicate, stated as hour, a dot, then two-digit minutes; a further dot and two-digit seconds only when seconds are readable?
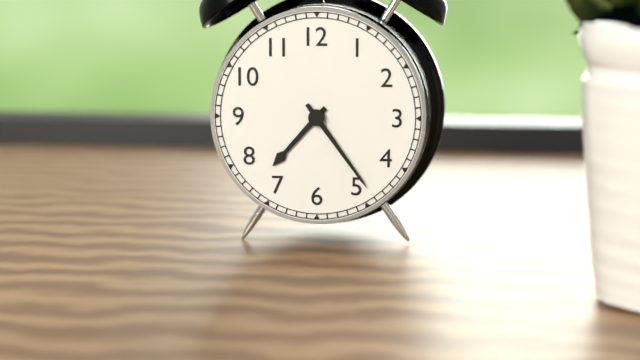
7.24
